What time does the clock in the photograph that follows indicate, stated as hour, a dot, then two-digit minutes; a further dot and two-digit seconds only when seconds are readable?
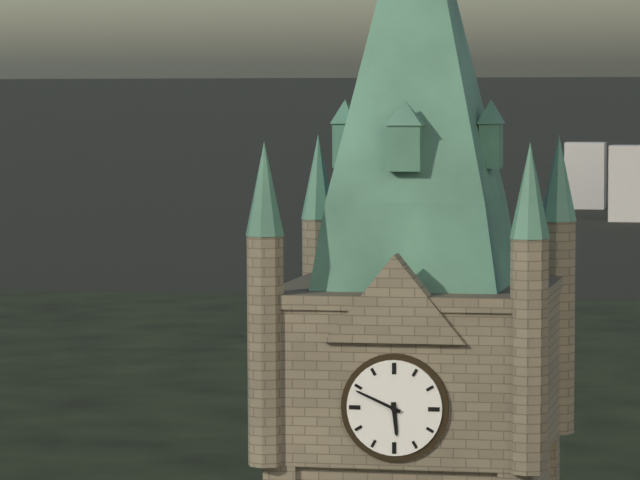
5.49
